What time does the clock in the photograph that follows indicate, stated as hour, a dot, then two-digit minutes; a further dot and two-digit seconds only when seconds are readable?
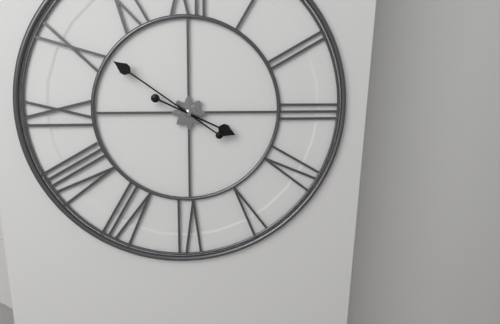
3.51
